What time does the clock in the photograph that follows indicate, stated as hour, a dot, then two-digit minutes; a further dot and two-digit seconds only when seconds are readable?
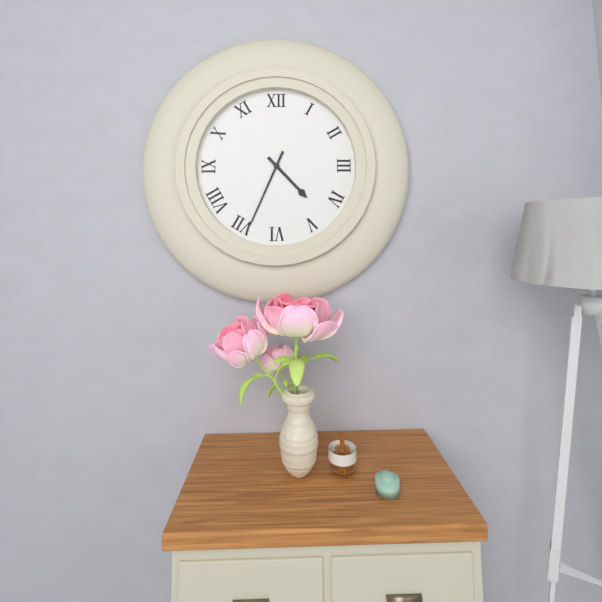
4.34
